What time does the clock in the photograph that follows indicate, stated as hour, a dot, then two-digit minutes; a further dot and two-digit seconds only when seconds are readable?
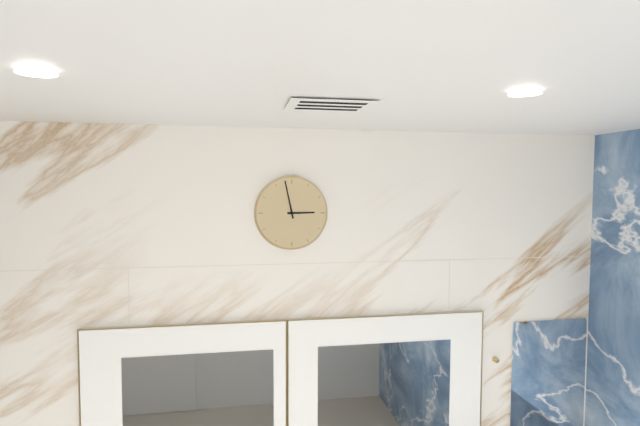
2.58
